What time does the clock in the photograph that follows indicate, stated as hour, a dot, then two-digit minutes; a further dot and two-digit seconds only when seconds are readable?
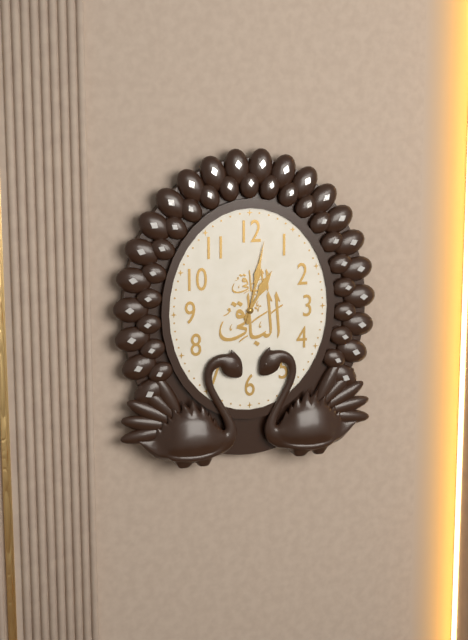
1.02
